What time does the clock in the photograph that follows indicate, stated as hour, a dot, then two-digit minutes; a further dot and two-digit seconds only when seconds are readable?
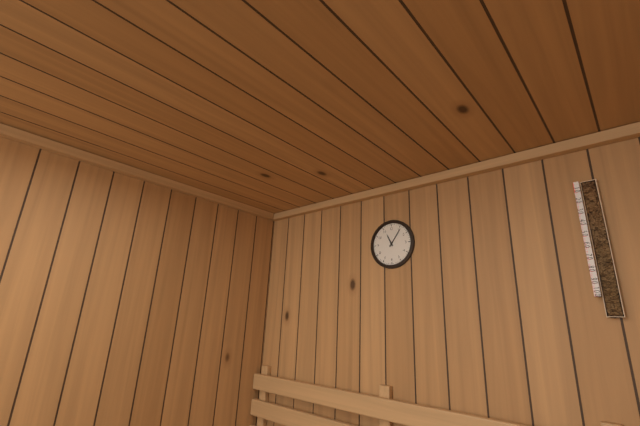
11.06
